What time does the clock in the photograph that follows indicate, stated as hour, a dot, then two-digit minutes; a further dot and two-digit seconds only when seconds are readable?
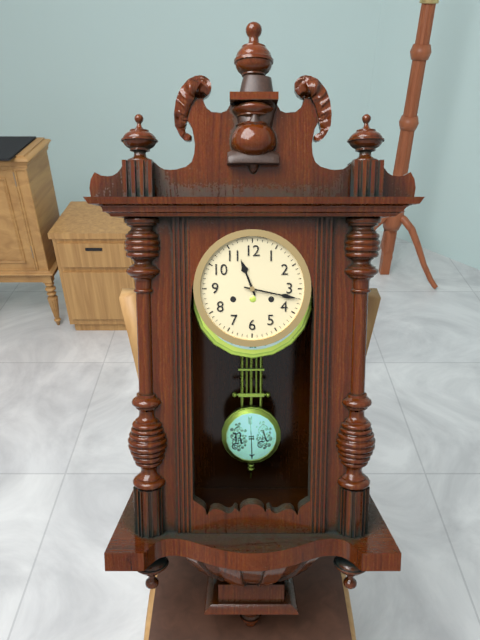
11.17
